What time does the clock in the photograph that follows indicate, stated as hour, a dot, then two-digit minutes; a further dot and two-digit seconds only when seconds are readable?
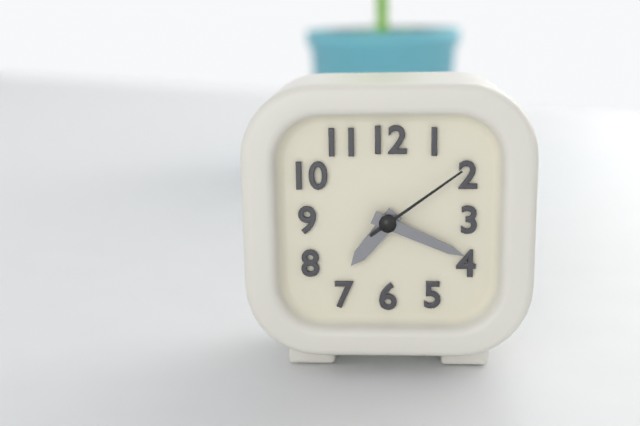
7.19.09
